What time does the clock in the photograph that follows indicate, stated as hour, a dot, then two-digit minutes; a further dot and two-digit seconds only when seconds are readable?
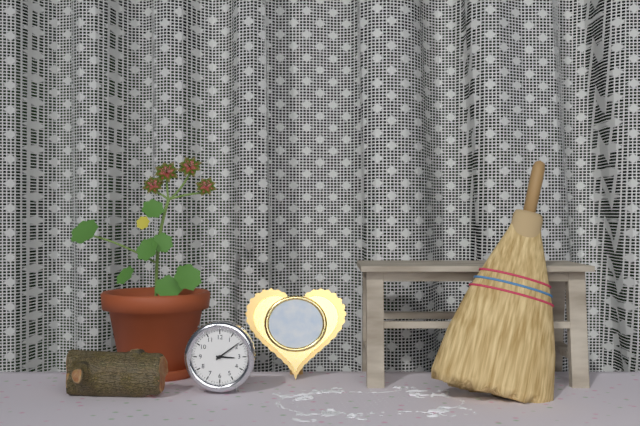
3.09
